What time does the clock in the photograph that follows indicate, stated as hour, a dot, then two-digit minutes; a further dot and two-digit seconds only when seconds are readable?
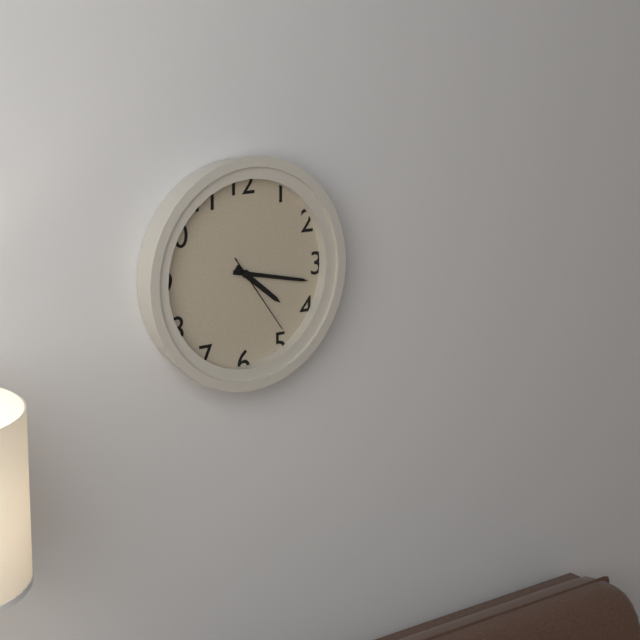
4.17.24
